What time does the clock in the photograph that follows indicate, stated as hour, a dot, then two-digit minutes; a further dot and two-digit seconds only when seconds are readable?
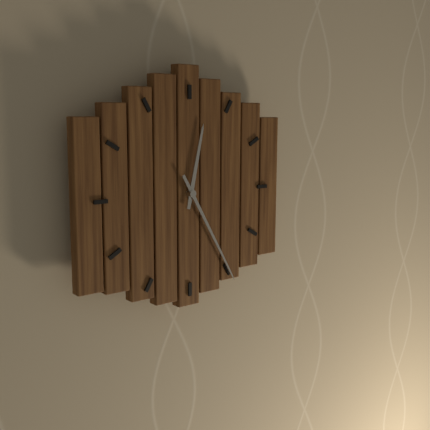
12.25
